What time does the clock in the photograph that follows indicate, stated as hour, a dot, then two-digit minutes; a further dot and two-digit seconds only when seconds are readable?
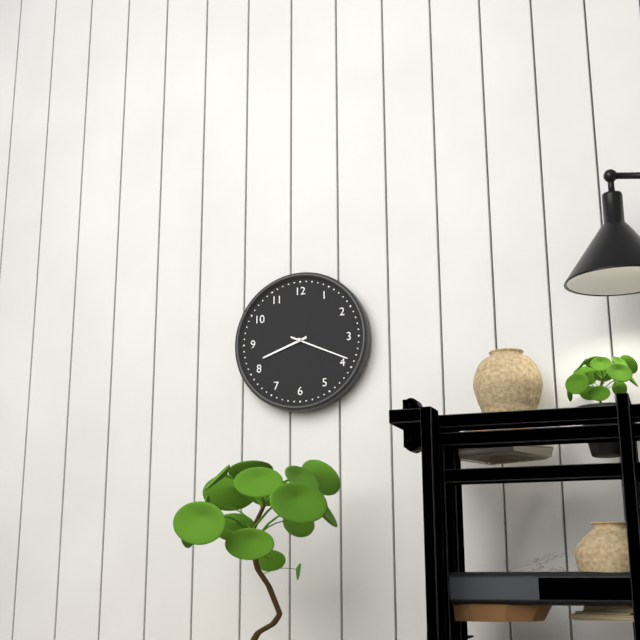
8.19
